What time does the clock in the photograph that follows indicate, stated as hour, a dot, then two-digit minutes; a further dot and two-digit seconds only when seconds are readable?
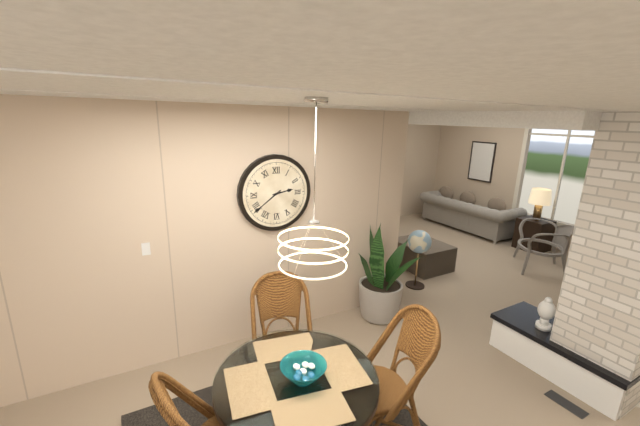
2.39
